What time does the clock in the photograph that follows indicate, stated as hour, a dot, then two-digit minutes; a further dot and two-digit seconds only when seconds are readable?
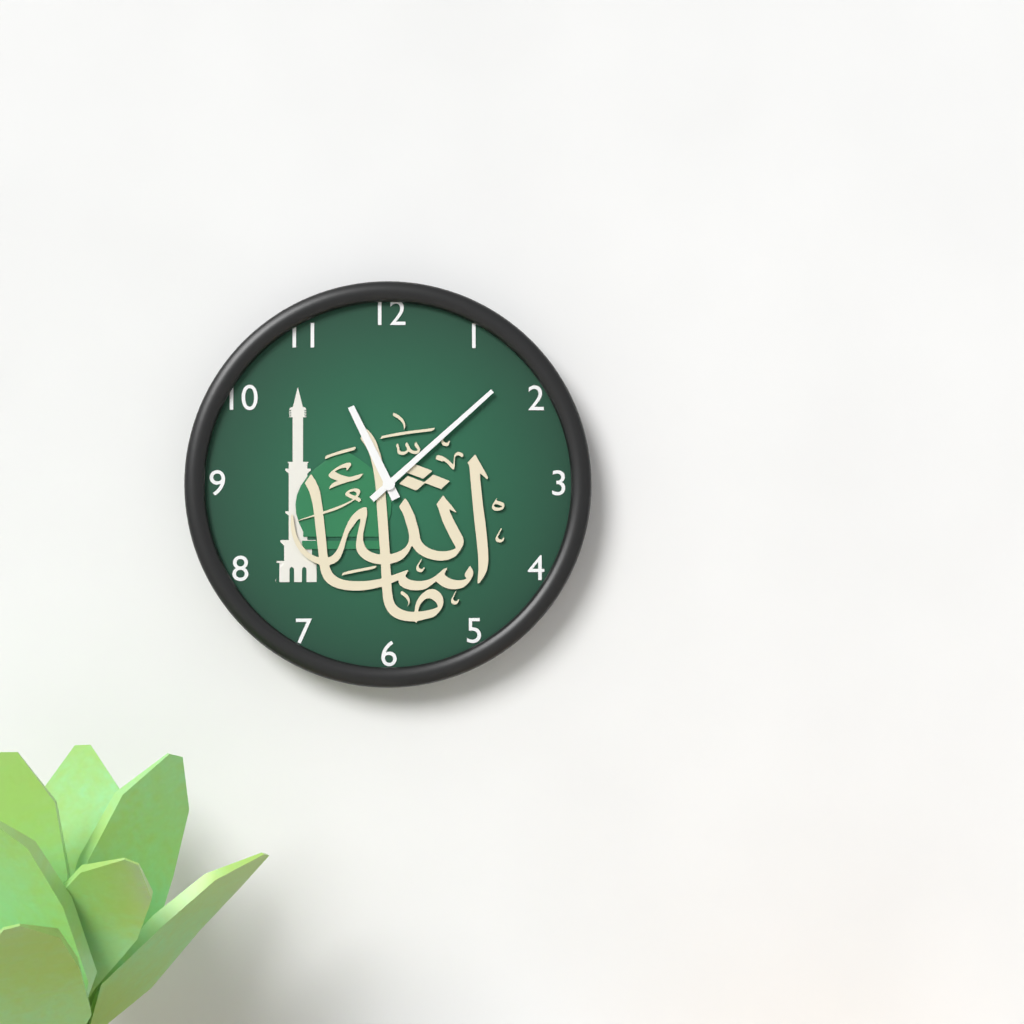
11.08
